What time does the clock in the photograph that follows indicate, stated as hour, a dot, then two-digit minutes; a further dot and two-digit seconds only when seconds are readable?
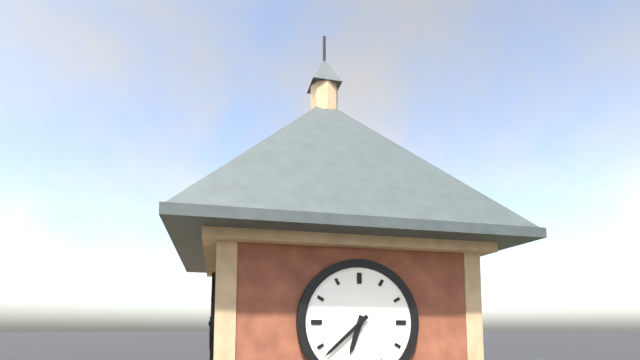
6.38
